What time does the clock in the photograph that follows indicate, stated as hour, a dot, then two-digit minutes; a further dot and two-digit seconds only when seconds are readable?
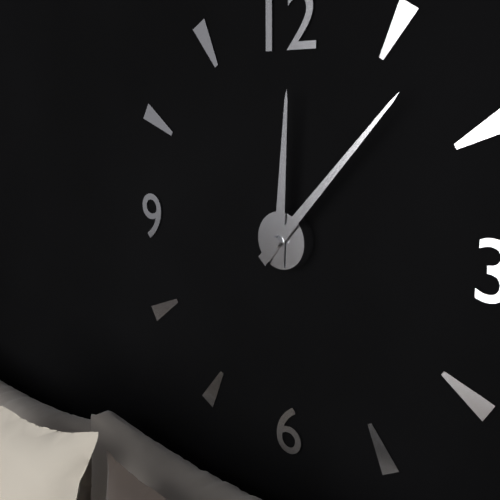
12.07
